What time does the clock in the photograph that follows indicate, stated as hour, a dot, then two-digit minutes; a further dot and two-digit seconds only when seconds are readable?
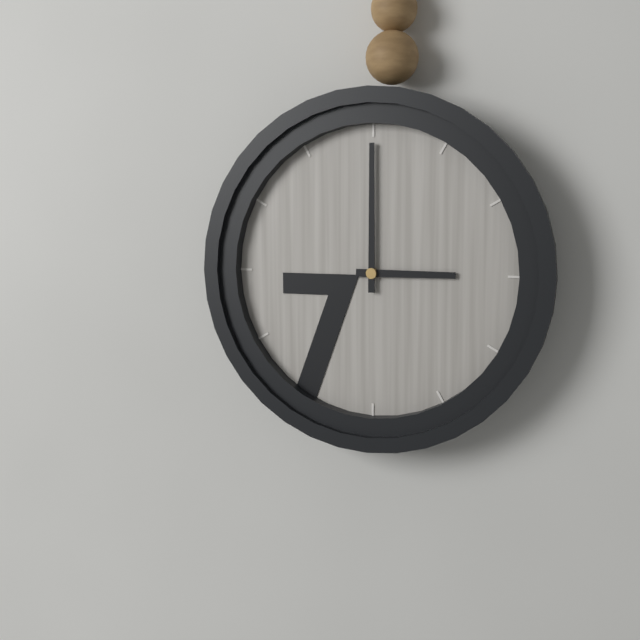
3.00
